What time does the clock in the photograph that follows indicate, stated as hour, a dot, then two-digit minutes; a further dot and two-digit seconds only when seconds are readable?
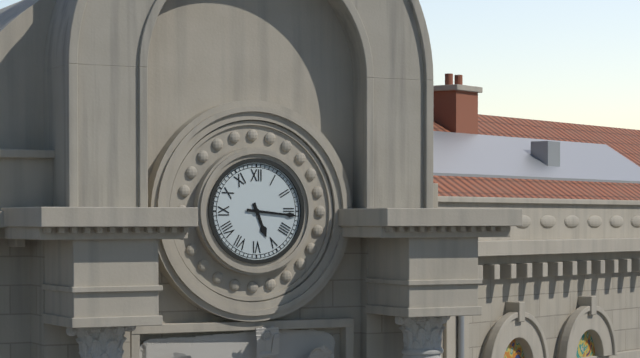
5.16
